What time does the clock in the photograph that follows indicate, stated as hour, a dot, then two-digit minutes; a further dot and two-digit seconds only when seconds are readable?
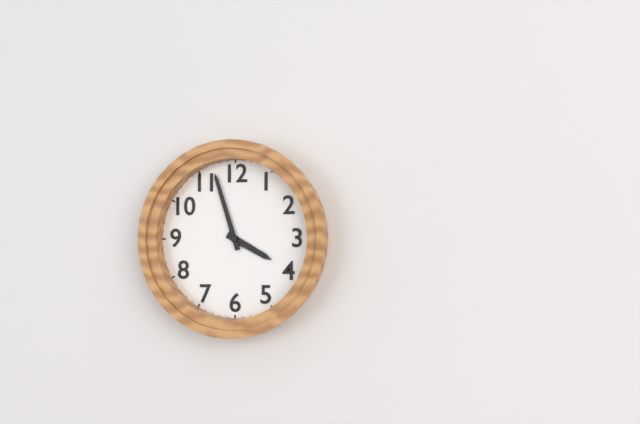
3.57
